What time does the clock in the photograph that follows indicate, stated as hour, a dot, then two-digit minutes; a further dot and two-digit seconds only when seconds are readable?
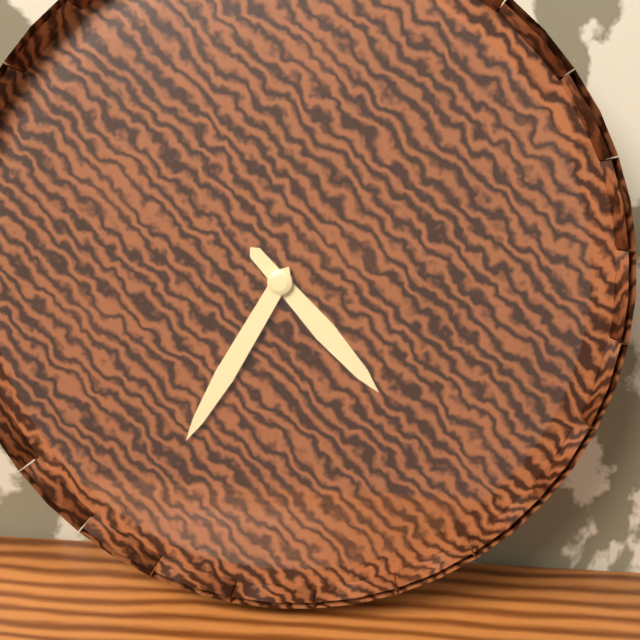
4.35
